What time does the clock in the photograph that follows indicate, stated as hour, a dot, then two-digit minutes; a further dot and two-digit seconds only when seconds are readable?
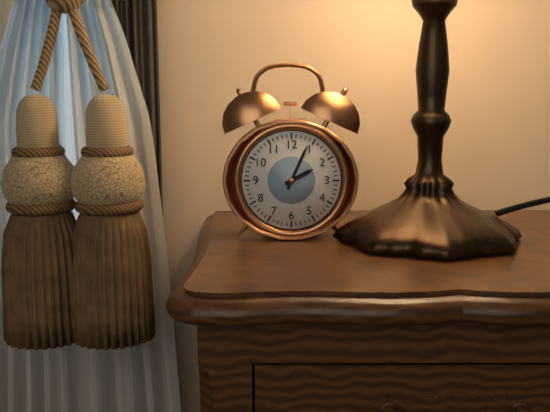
2.04
